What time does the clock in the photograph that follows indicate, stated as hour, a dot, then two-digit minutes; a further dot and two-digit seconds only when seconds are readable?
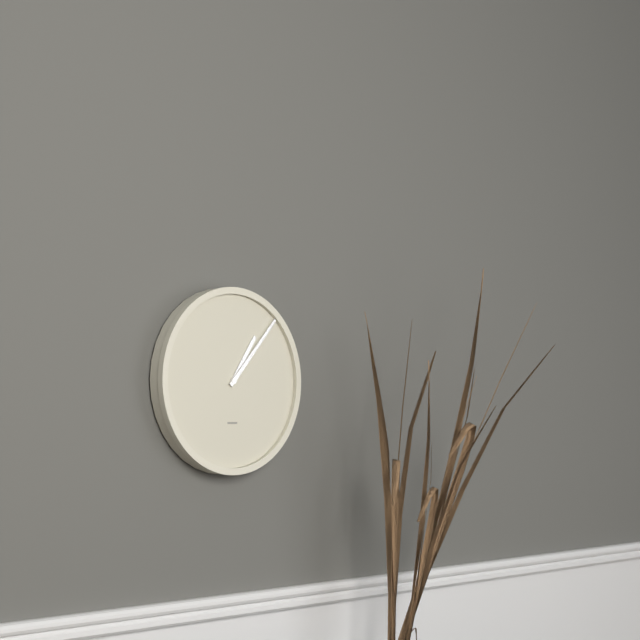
1.07
